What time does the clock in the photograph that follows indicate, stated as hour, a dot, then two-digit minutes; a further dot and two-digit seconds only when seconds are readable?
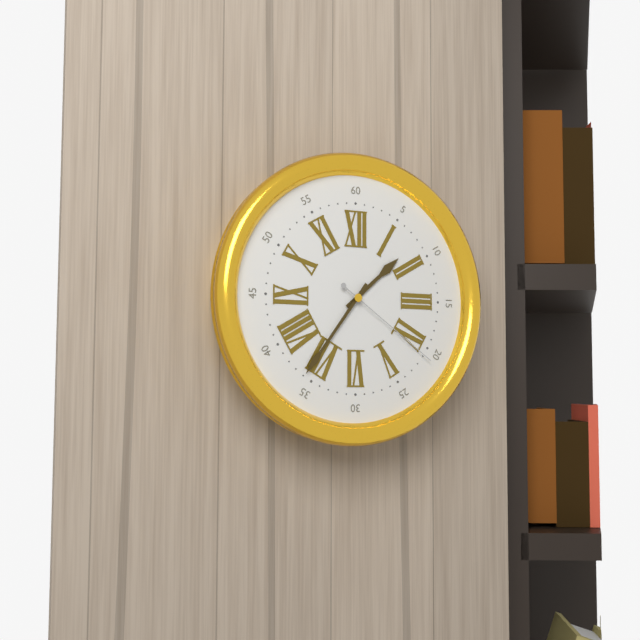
1.36.21
